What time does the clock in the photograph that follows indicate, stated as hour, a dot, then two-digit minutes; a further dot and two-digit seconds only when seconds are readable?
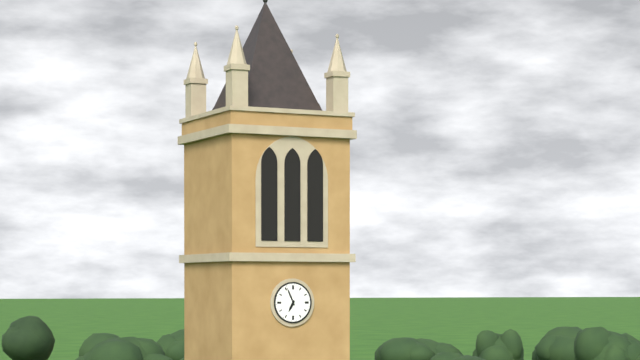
6.56
